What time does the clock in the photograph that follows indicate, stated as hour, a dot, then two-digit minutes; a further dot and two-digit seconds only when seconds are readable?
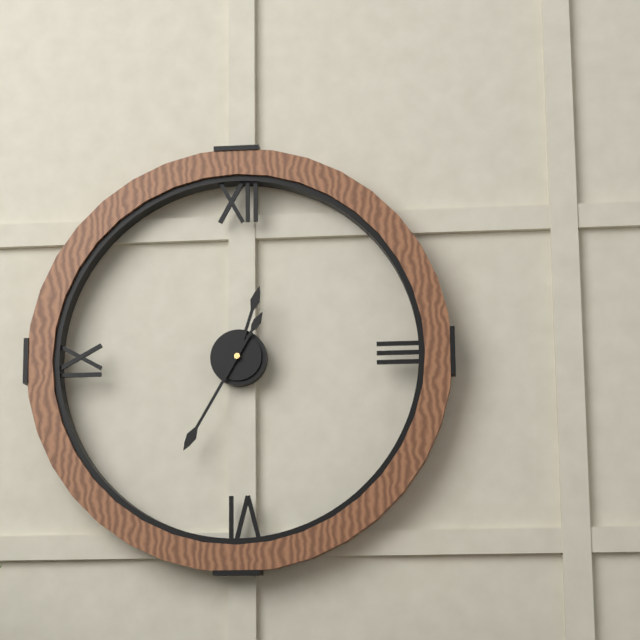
12.35
